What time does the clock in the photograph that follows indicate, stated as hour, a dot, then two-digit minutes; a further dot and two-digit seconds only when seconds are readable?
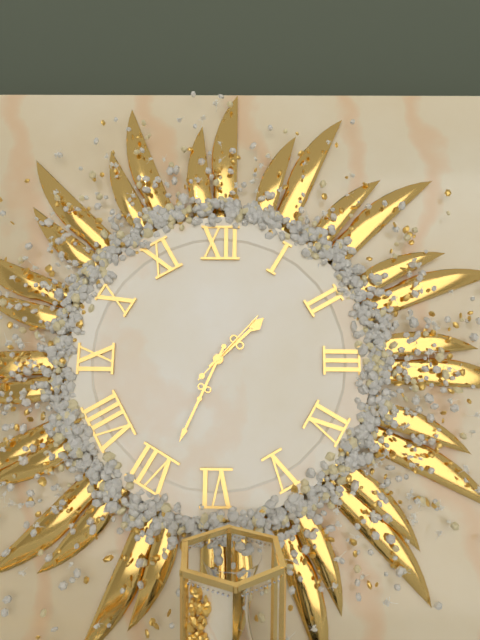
1.34.07
